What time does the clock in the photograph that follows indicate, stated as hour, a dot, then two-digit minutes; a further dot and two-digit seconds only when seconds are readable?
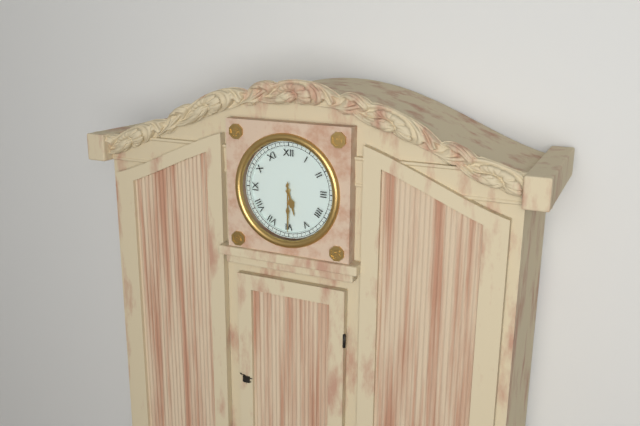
5.30
